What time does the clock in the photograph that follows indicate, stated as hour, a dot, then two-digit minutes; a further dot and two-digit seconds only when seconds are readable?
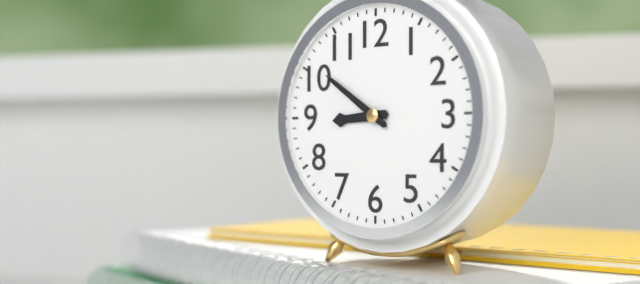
8.51
